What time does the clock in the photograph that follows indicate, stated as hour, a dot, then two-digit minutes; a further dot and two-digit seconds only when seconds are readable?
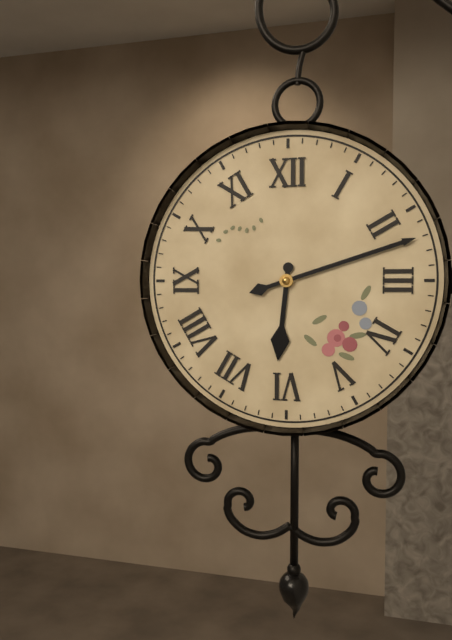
6.12
